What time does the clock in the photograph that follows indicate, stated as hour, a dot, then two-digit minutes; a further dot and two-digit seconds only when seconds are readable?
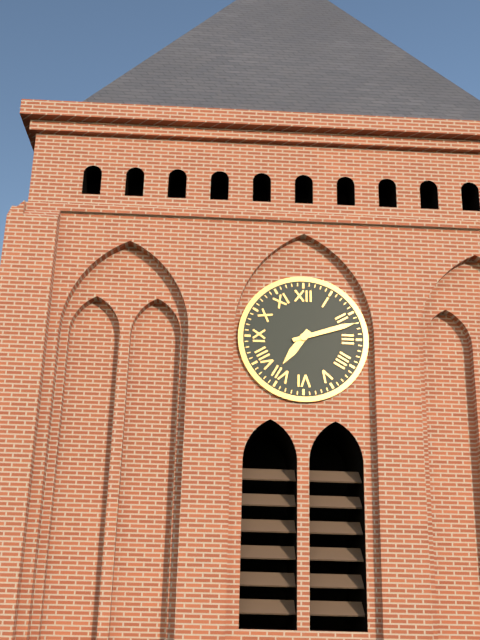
7.12
